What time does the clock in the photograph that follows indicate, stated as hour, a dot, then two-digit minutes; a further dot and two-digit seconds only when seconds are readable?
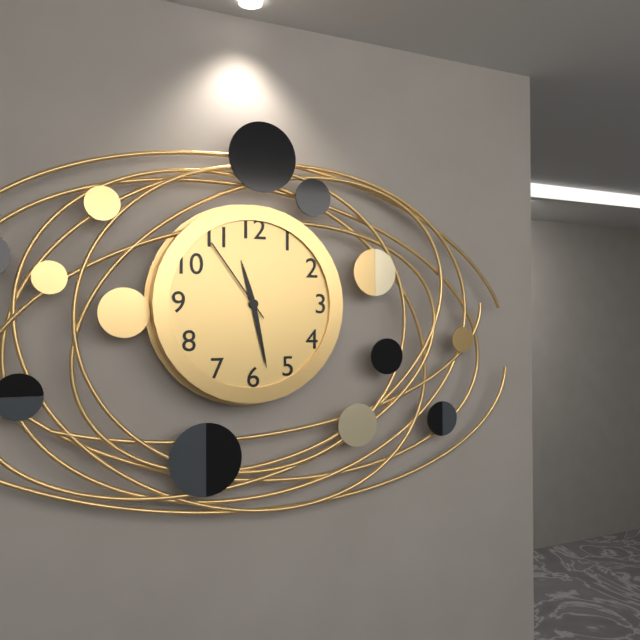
11.28.54
